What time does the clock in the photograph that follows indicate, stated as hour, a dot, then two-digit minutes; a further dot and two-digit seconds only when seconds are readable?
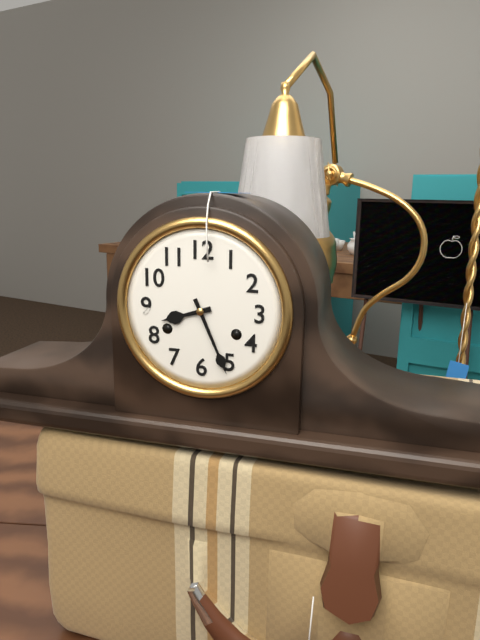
8.26
